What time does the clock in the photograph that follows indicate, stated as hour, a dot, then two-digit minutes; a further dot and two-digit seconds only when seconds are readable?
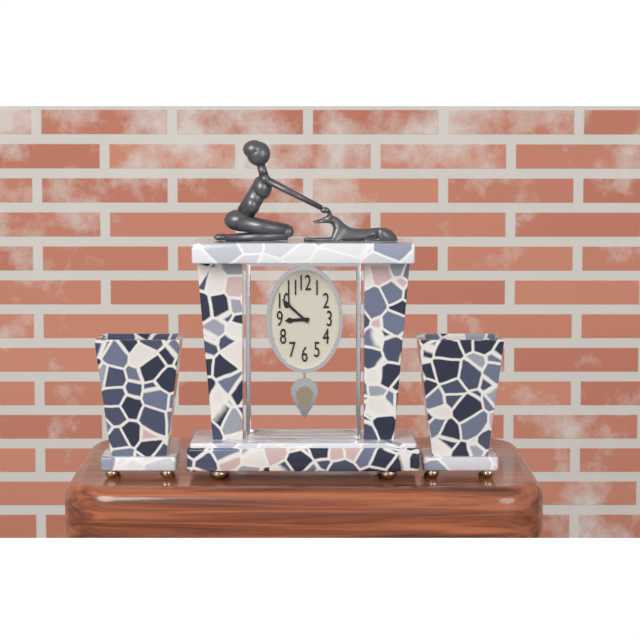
8.52
